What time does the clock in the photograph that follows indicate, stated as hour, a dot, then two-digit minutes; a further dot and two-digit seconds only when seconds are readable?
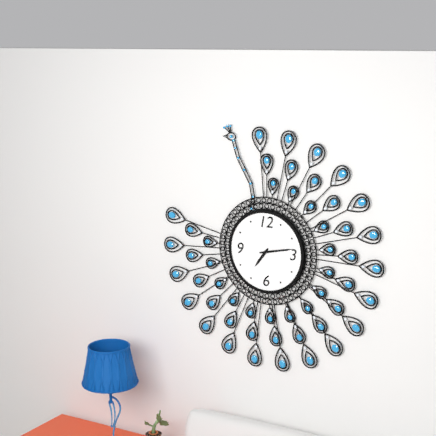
7.13
